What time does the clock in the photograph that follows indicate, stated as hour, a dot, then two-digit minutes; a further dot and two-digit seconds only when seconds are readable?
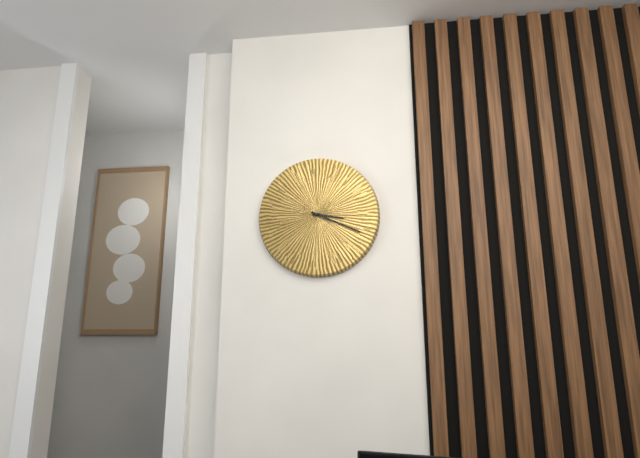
3.19
